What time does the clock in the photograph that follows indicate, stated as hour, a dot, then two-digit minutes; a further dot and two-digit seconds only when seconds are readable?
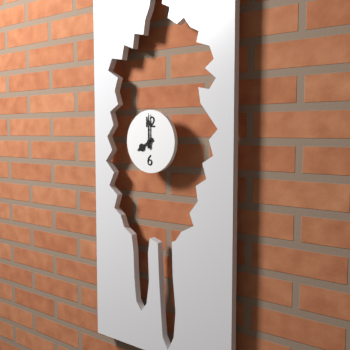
8.00
